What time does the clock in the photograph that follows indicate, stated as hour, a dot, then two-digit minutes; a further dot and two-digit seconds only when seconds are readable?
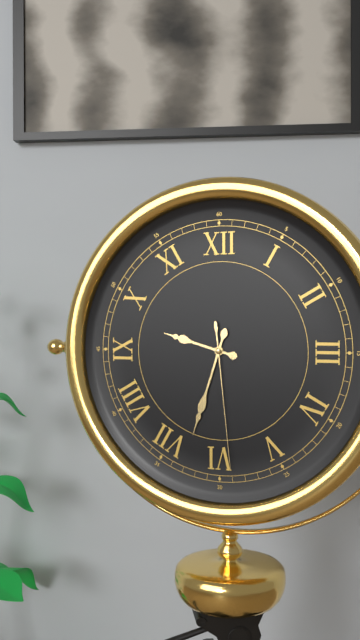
9.33.29
